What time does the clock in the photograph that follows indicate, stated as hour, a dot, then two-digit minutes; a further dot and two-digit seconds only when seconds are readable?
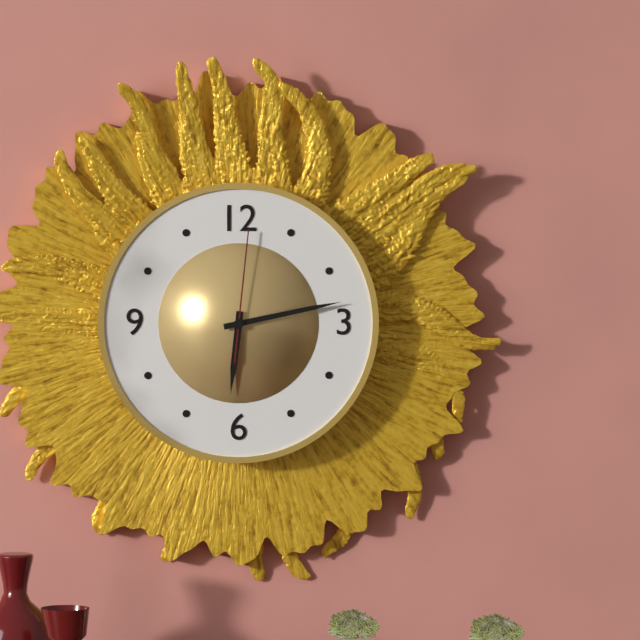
6.13.01
